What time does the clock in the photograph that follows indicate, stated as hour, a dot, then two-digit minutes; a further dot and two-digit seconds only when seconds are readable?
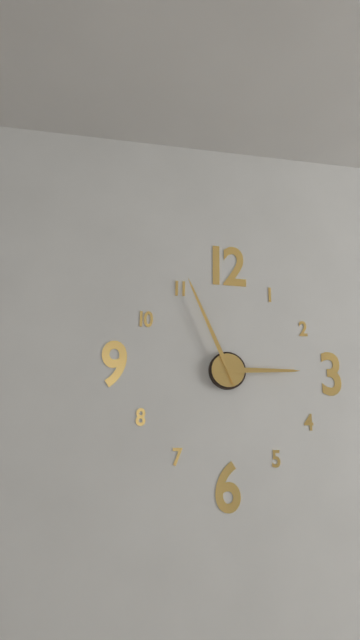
2.56
